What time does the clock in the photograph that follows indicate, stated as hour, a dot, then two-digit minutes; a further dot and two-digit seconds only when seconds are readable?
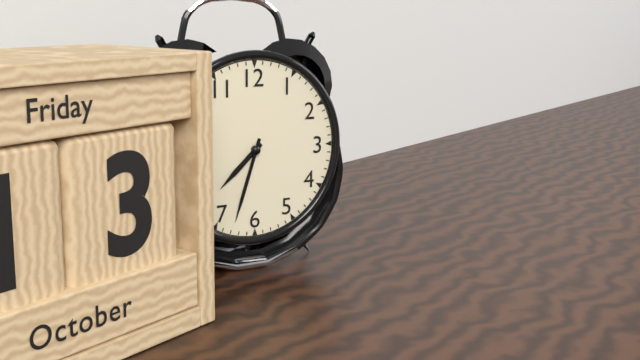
7.33
